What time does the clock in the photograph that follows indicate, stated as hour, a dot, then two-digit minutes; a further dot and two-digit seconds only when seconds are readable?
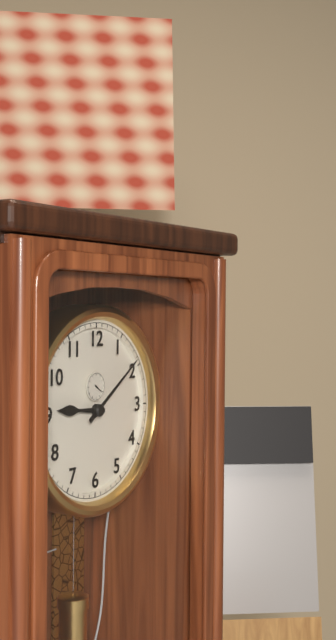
9.09
